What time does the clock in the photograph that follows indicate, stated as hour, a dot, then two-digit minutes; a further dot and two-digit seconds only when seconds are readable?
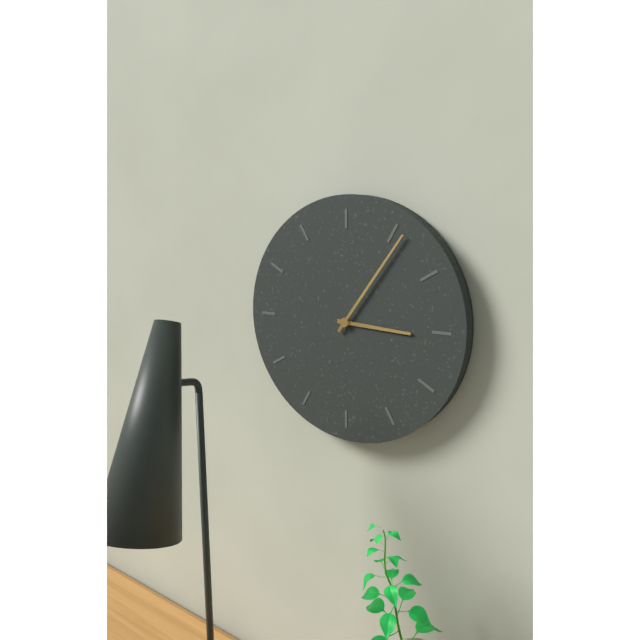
3.06
